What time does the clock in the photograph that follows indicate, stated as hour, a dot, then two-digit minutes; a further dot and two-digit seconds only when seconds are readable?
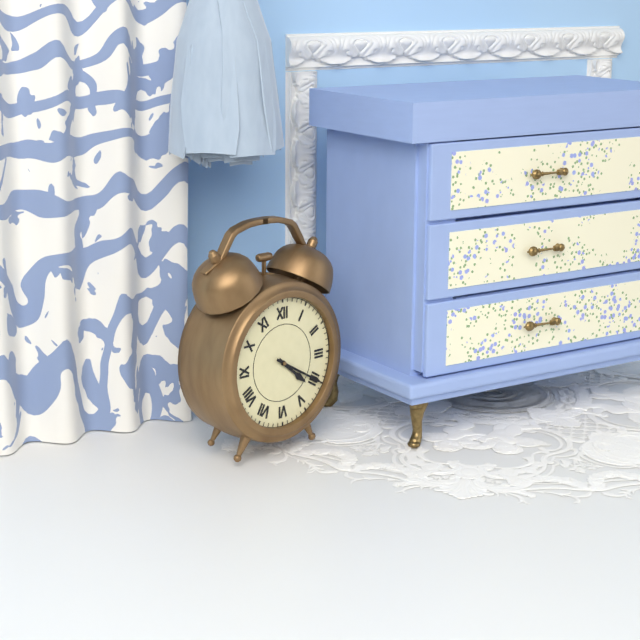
4.20
